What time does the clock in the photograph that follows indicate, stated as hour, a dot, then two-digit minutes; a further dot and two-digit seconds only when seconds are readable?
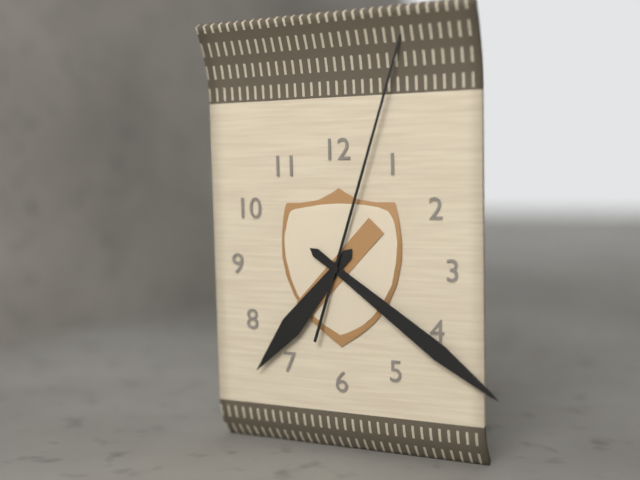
7.21.03
